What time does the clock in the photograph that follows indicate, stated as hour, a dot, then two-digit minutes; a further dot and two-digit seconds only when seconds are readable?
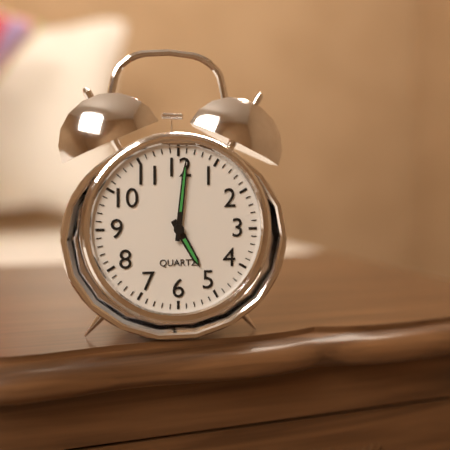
5.01
